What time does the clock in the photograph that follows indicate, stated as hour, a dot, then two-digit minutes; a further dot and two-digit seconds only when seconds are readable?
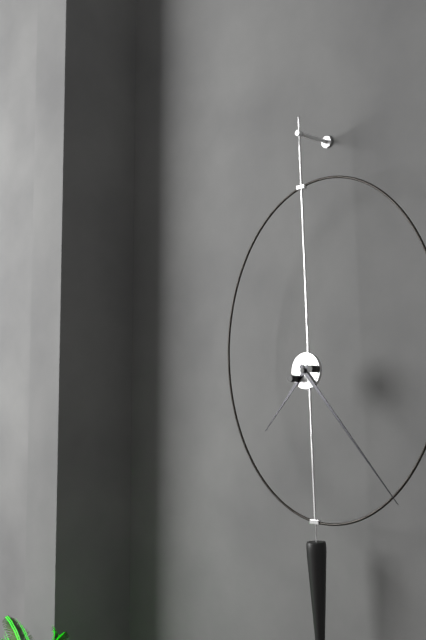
7.23
